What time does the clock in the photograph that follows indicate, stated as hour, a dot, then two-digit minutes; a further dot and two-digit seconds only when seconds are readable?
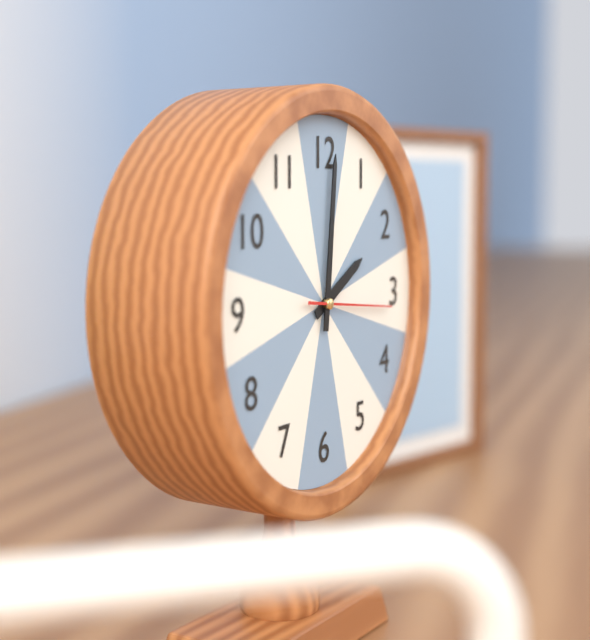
2.01.16
